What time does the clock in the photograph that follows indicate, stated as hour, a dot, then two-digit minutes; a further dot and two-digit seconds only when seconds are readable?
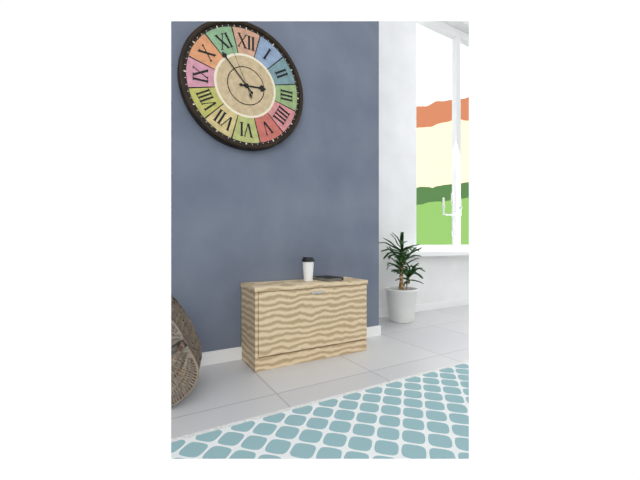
2.53.56
